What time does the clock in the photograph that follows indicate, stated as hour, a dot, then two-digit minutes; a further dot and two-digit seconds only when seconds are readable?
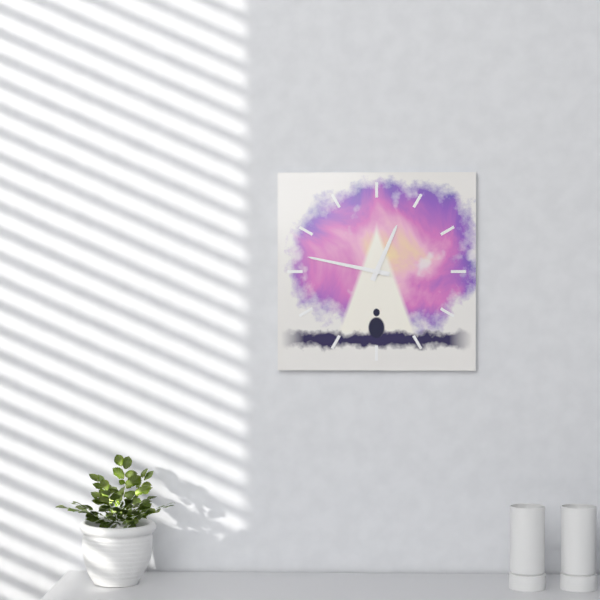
12.47
